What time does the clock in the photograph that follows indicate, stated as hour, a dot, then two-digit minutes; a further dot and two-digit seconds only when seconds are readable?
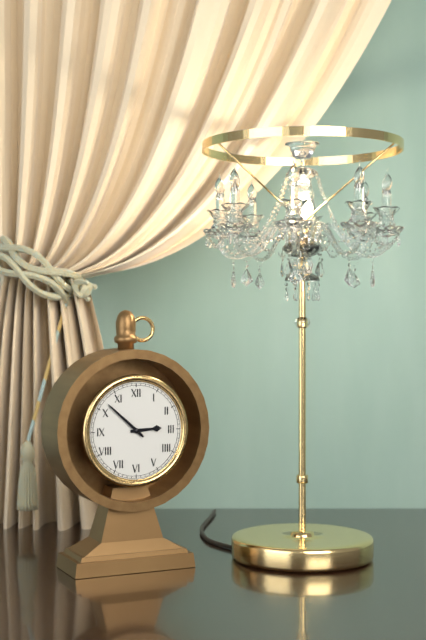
2.52
